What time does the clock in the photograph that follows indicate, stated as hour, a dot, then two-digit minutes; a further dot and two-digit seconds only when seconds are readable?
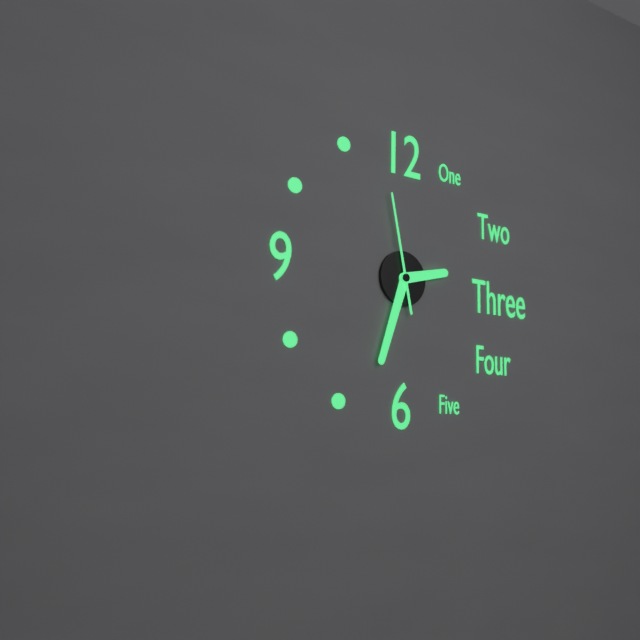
2.33.58
